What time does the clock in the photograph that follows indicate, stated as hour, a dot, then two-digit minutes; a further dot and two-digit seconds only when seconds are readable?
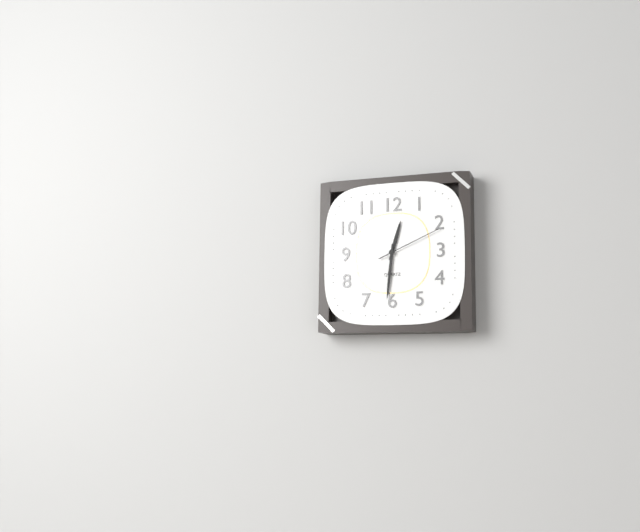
12.31.11
